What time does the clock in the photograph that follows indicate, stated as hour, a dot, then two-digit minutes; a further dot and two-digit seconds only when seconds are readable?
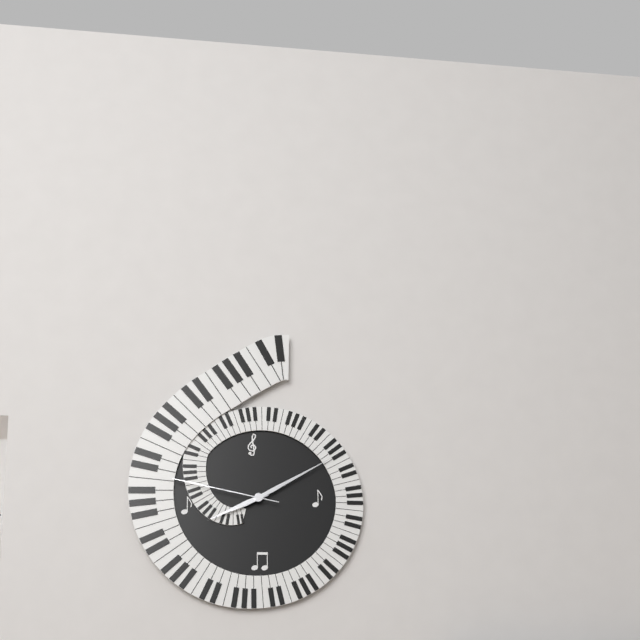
8.10.47
